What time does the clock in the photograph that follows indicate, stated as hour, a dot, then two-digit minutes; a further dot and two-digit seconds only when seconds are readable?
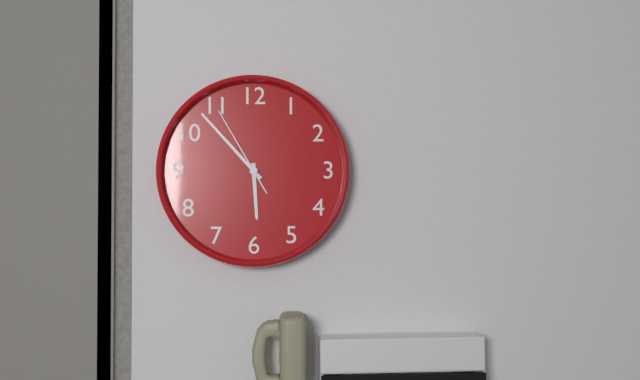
5.53.55
